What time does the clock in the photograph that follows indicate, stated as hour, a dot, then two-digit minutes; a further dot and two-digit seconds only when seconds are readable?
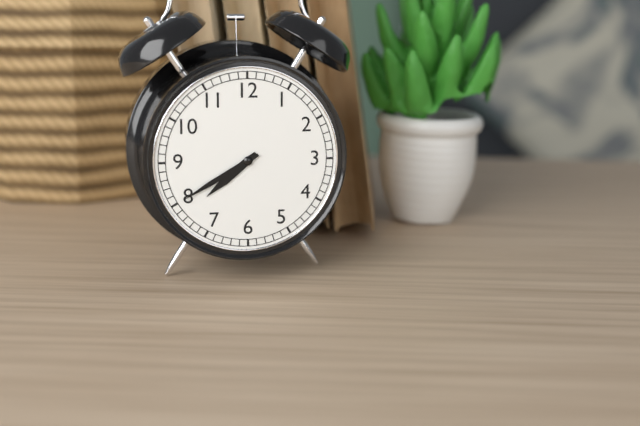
7.40
